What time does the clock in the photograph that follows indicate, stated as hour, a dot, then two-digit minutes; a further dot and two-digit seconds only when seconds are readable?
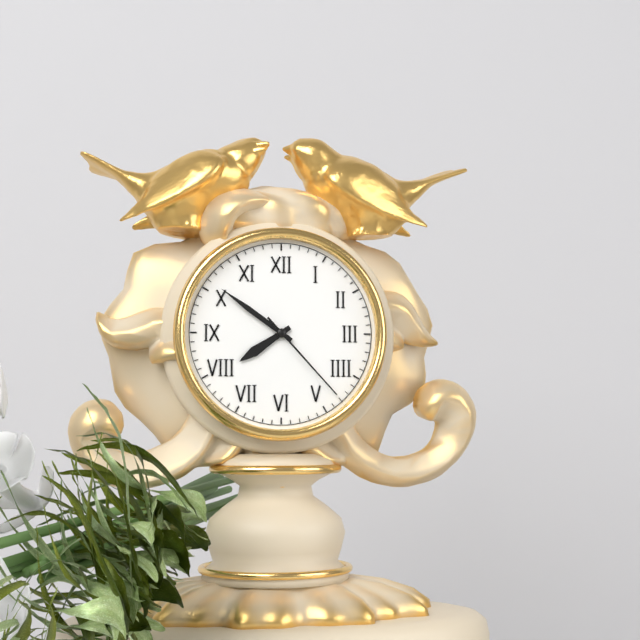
7.51.23
